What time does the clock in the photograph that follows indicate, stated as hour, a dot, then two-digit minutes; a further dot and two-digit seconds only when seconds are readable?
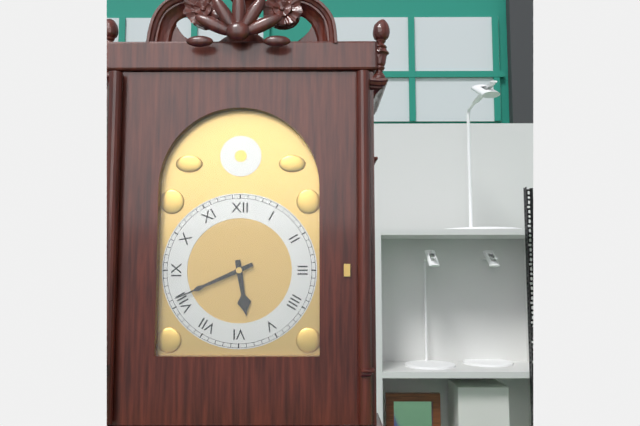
5.41
